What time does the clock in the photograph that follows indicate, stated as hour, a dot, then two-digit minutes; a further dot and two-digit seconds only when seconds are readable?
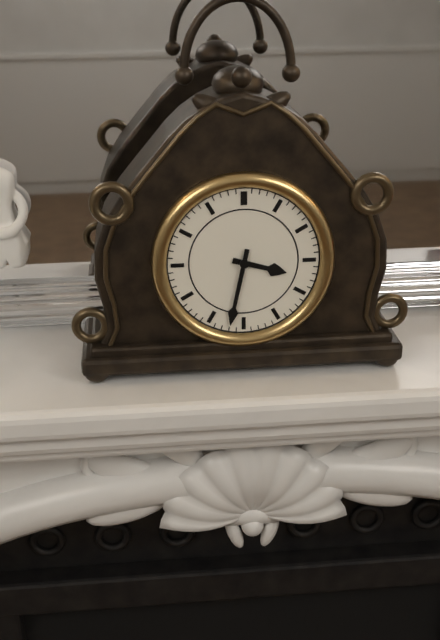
3.32
